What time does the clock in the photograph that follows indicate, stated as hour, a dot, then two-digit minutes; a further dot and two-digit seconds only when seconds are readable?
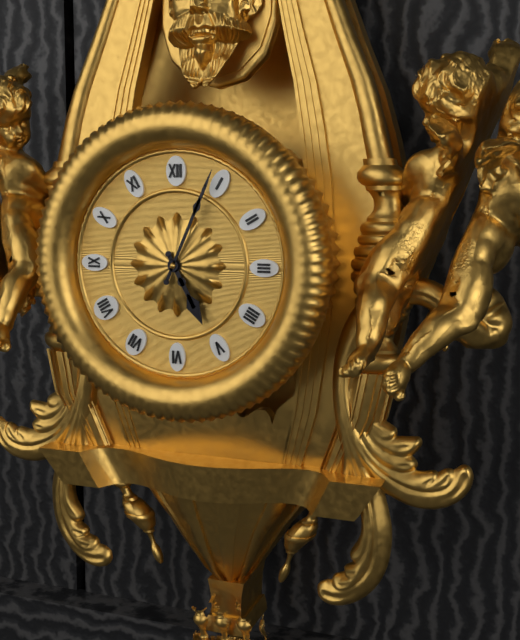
5.04
